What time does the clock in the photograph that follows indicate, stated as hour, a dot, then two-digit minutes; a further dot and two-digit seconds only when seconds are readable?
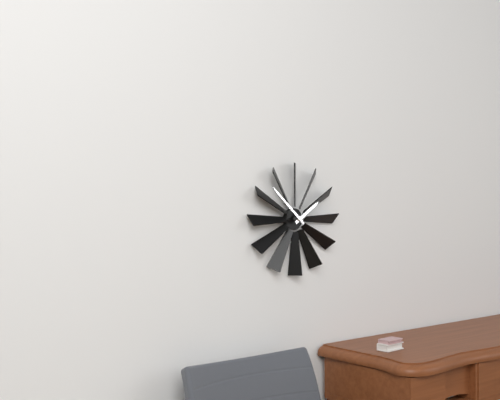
1.52
